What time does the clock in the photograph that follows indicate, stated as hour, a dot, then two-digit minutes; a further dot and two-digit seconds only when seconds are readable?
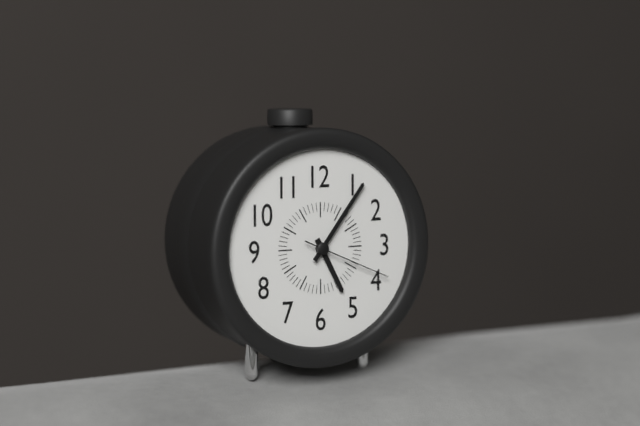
5.06.19
